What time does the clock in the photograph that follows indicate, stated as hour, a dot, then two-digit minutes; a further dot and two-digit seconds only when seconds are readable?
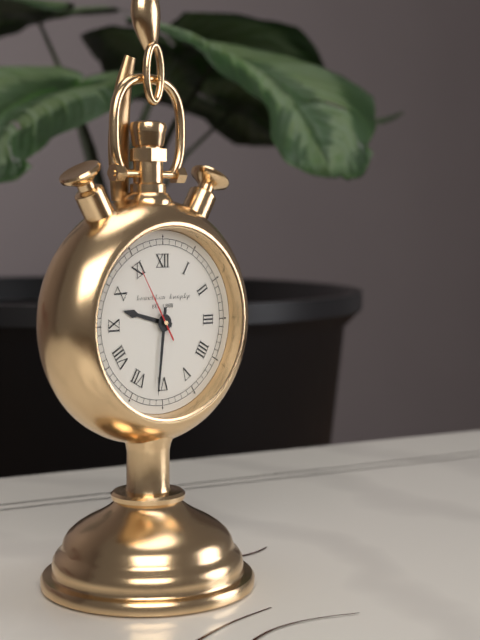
9.31.55
